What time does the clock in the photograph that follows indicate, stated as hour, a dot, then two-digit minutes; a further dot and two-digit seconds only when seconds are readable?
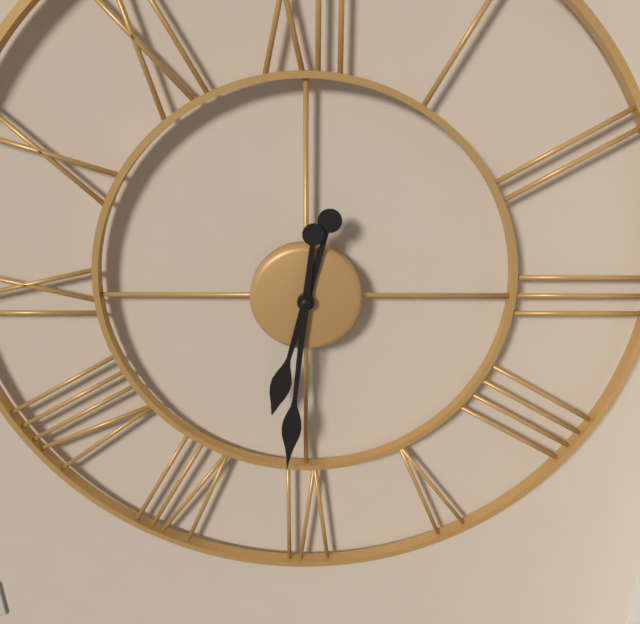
6.31
